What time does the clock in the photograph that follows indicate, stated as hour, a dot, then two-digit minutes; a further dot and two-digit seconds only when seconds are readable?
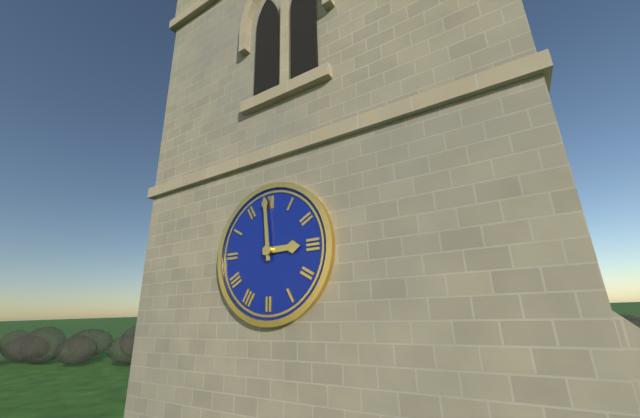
2.59
